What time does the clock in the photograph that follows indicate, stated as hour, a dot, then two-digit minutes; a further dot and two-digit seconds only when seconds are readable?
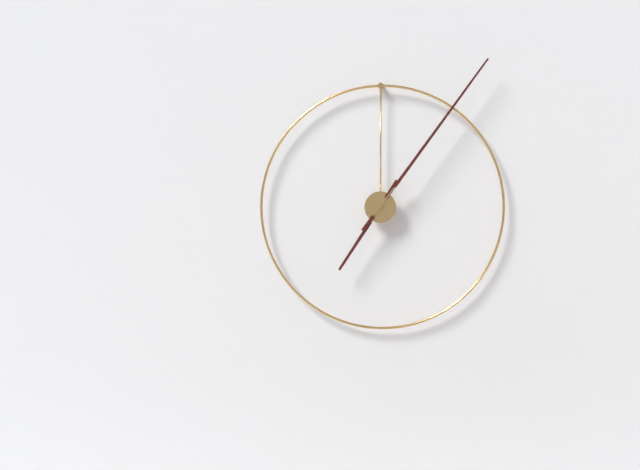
7.06
